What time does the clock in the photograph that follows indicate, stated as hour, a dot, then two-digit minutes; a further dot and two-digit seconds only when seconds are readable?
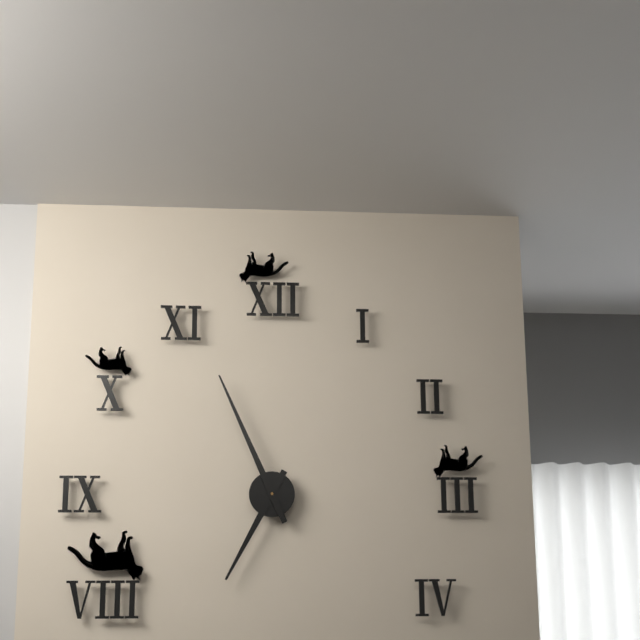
6.56
